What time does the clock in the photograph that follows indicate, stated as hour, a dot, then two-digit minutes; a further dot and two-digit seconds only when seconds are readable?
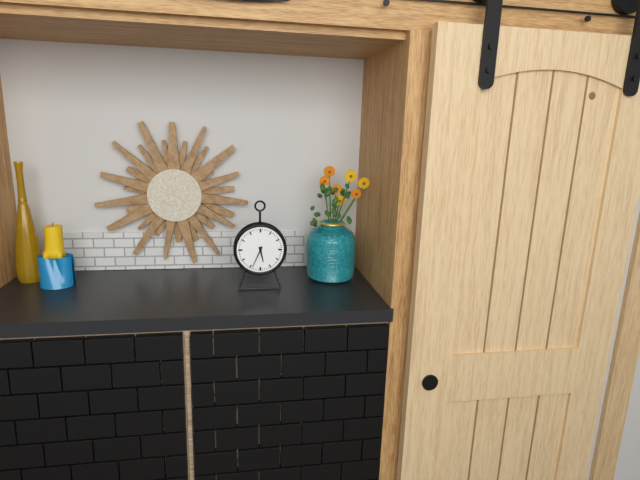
5.34
